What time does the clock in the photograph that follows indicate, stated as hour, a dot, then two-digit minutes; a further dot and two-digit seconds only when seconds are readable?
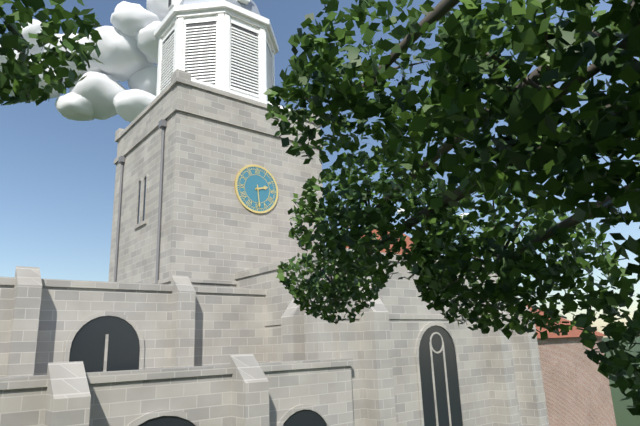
2.29
